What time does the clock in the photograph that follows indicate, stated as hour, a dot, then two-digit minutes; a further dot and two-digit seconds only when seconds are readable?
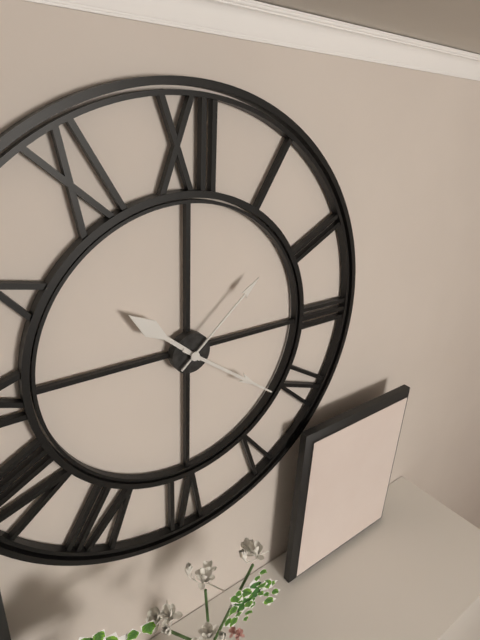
10.21.08
